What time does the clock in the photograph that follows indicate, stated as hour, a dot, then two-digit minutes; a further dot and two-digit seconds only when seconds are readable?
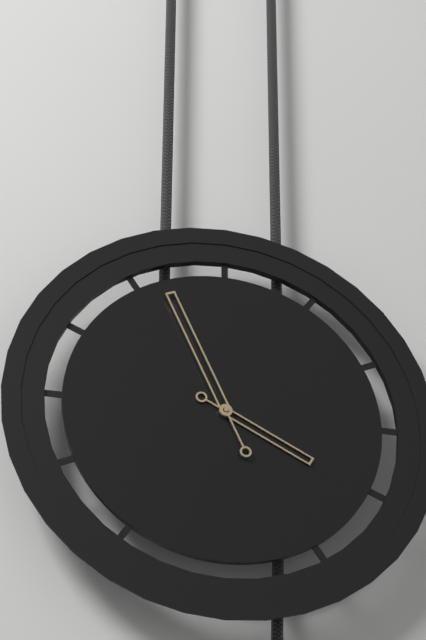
3.56
